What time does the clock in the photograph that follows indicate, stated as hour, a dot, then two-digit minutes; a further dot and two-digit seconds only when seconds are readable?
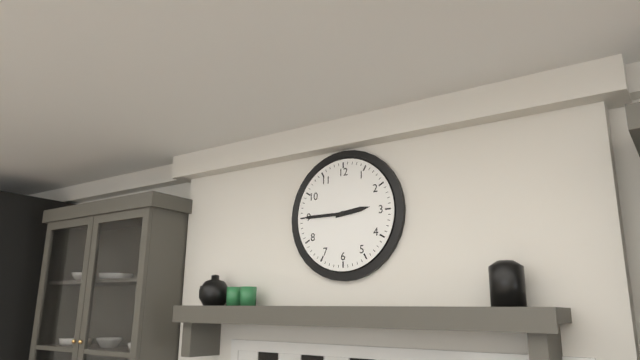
2.45
